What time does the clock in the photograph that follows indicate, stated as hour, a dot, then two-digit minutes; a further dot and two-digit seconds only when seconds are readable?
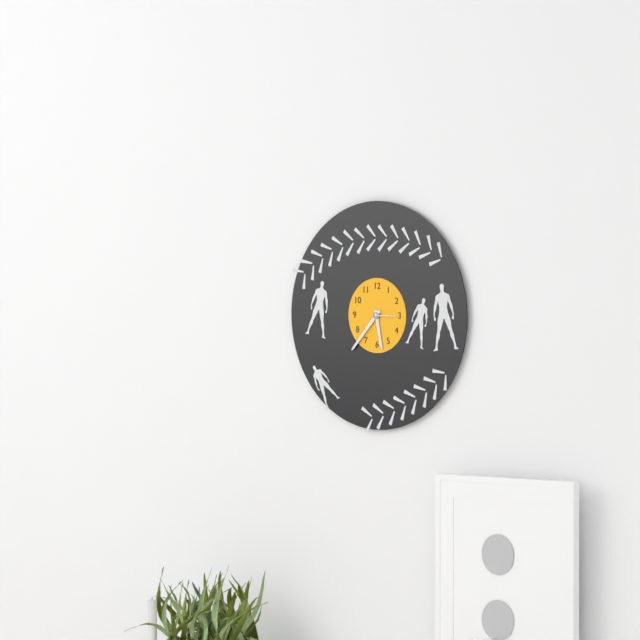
5.37
